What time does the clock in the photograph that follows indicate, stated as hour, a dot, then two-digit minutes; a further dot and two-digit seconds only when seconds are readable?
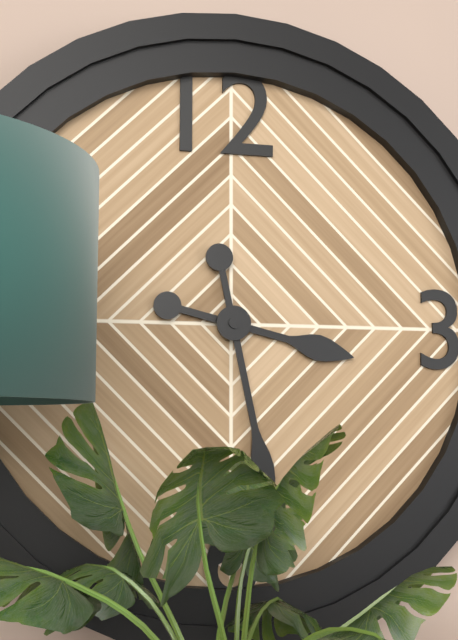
3.28
